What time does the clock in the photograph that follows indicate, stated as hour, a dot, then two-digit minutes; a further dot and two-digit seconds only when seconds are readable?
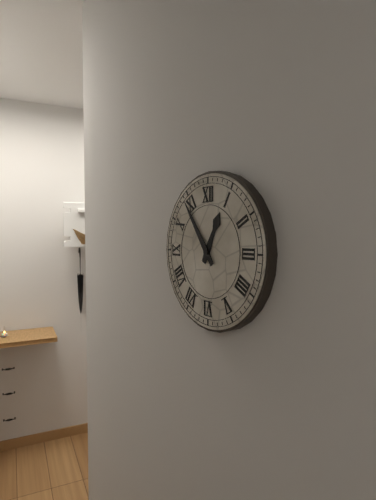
12.54
